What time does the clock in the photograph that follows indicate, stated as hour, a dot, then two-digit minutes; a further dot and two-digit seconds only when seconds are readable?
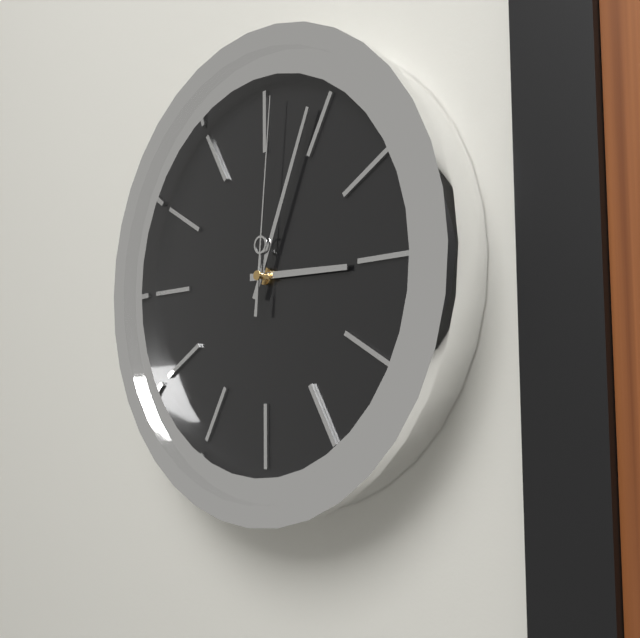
3.04.01
